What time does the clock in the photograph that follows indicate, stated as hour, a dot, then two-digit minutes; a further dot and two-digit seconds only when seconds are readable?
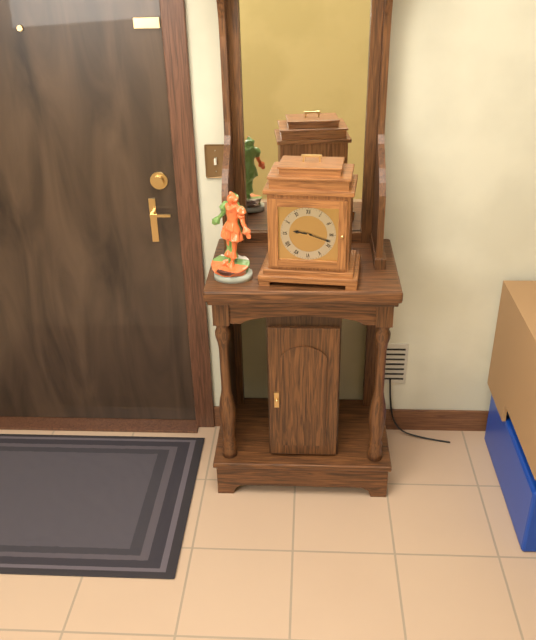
9.18
